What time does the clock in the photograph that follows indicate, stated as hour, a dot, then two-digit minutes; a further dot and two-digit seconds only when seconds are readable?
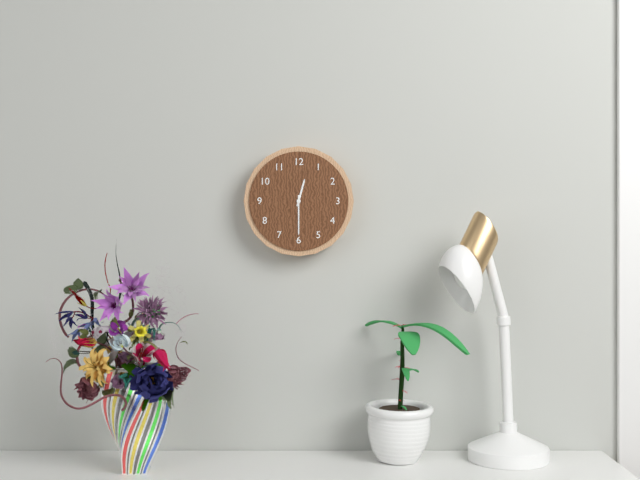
12.30
